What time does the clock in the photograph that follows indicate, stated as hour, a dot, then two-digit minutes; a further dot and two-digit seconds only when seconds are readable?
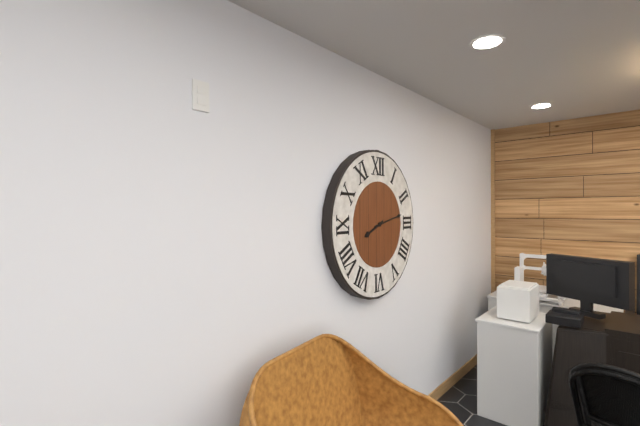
8.13
